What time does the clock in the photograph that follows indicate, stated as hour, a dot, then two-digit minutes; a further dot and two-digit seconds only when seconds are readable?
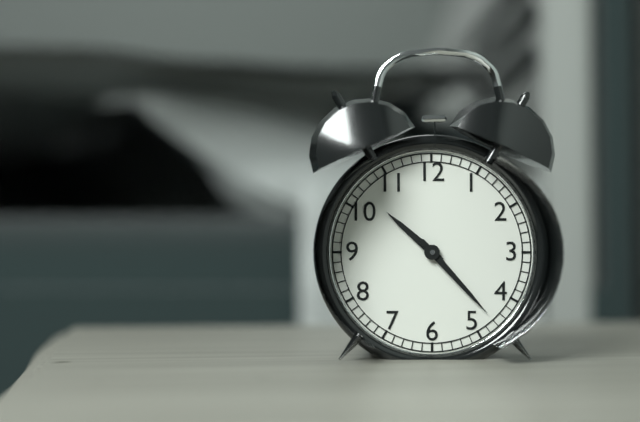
10.23
